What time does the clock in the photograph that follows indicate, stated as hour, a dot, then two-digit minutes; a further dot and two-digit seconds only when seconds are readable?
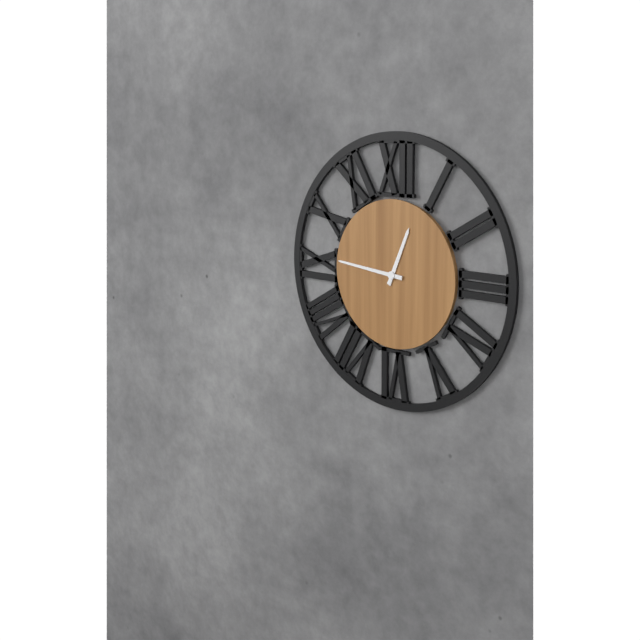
12.46
